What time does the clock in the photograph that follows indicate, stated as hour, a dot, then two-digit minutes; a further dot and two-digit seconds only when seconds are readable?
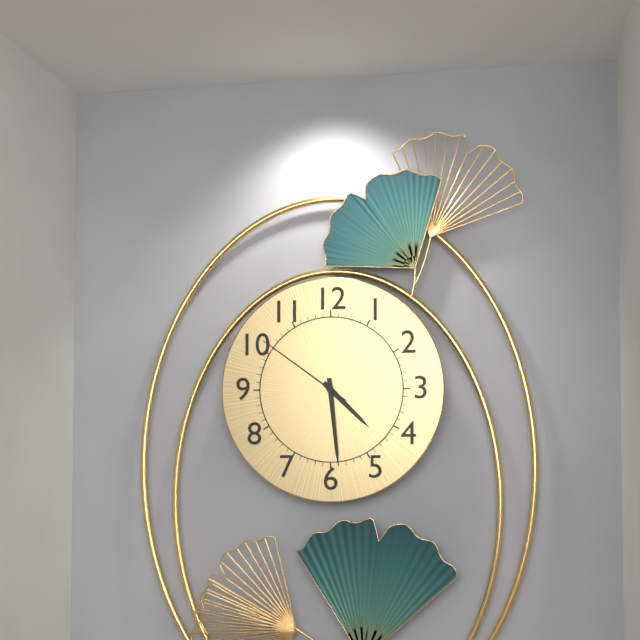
4.29.51
